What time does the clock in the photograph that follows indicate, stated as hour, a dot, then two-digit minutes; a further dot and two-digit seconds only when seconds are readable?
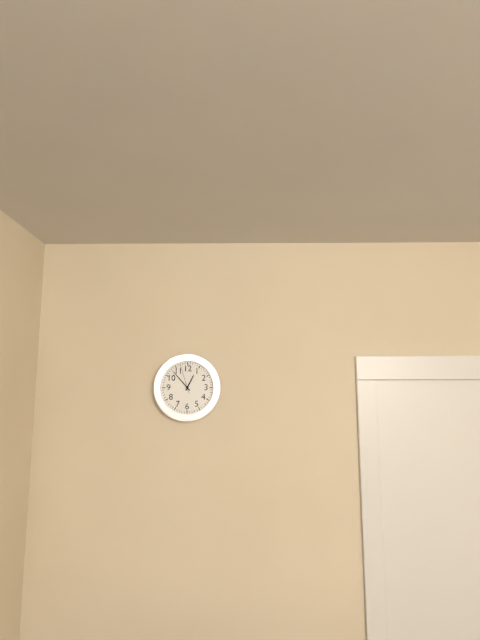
12.53
